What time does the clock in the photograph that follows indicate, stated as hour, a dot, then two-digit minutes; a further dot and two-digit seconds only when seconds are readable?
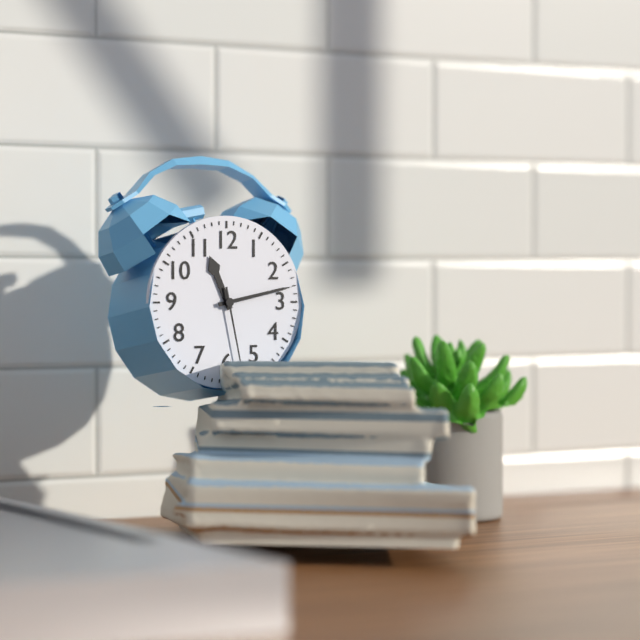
11.13.28
